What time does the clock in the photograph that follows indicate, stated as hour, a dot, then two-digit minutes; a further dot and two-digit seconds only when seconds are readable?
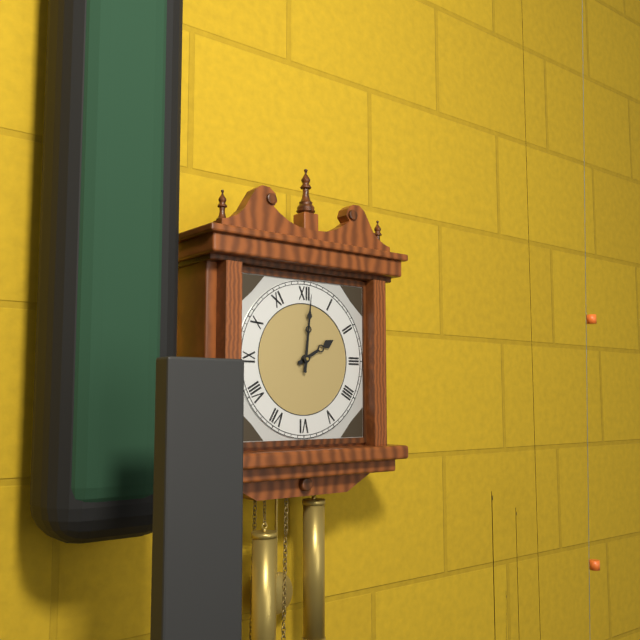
2.01
